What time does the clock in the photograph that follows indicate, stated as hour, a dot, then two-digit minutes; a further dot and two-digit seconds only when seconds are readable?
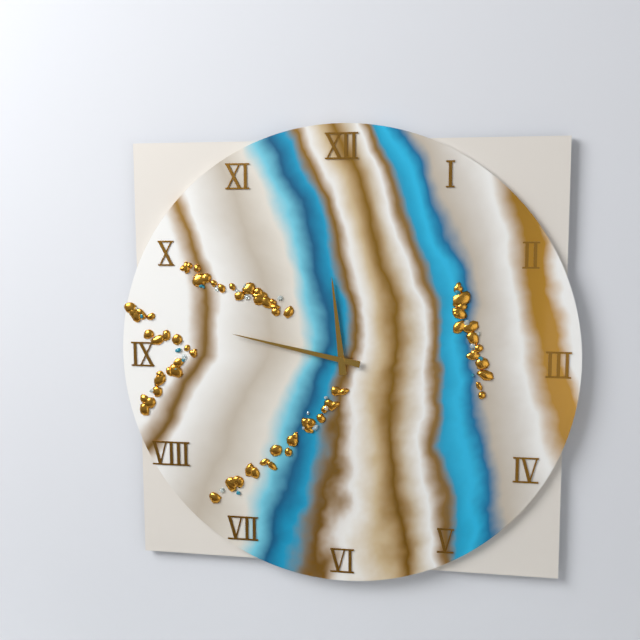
11.47
